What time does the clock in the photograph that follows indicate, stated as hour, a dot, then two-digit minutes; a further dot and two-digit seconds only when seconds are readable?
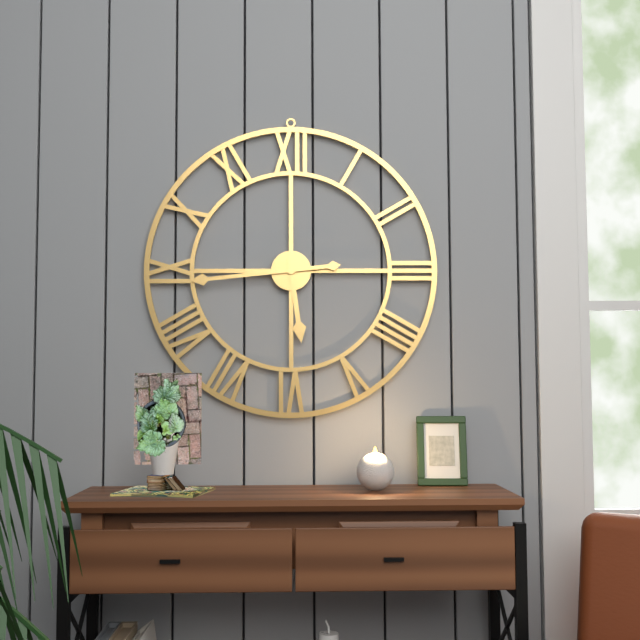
5.44
